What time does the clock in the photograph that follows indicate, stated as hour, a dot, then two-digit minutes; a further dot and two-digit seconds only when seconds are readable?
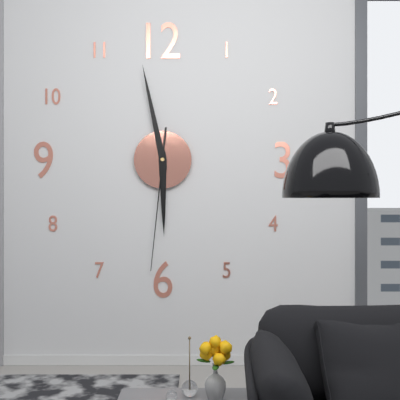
5.58.31
